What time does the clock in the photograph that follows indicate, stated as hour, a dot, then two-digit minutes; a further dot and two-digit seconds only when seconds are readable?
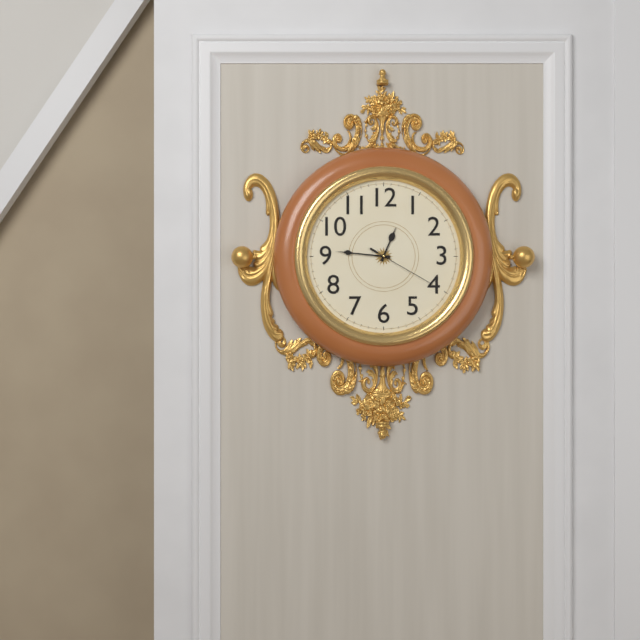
12.46.20
